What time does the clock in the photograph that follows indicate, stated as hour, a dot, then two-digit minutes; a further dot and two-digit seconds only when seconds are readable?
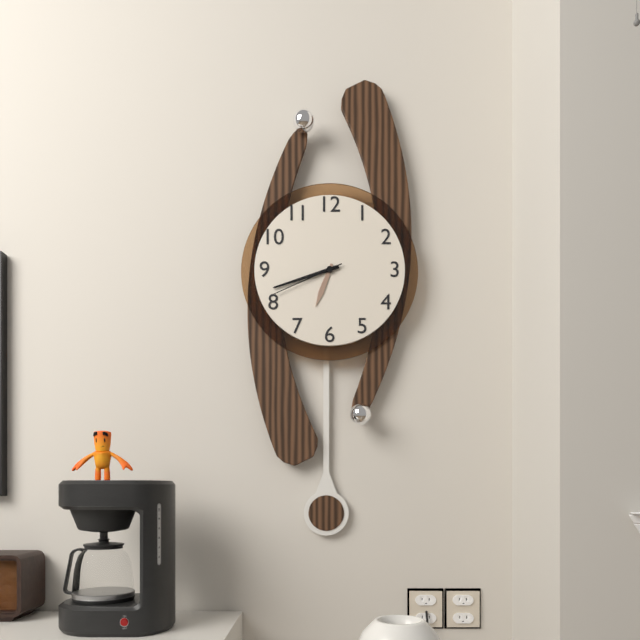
6.42.41
